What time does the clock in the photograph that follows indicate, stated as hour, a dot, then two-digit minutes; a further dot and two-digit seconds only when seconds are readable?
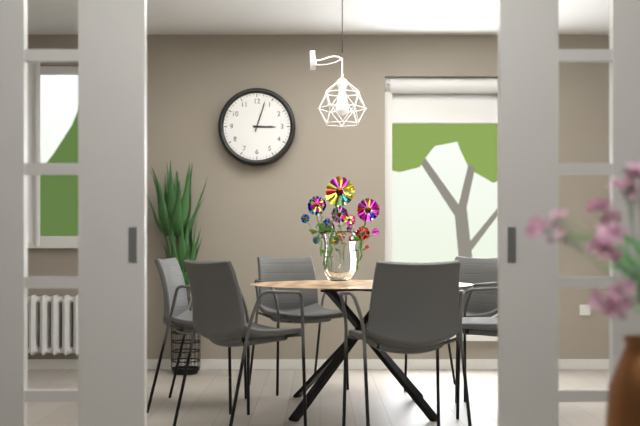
3.03
